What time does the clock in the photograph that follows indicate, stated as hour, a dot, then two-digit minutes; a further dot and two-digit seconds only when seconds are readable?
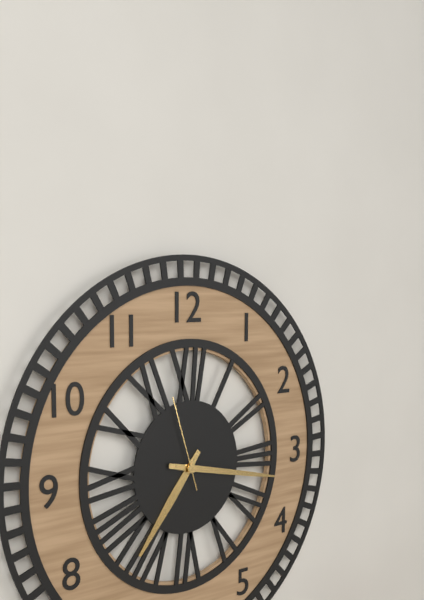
7.17.57
